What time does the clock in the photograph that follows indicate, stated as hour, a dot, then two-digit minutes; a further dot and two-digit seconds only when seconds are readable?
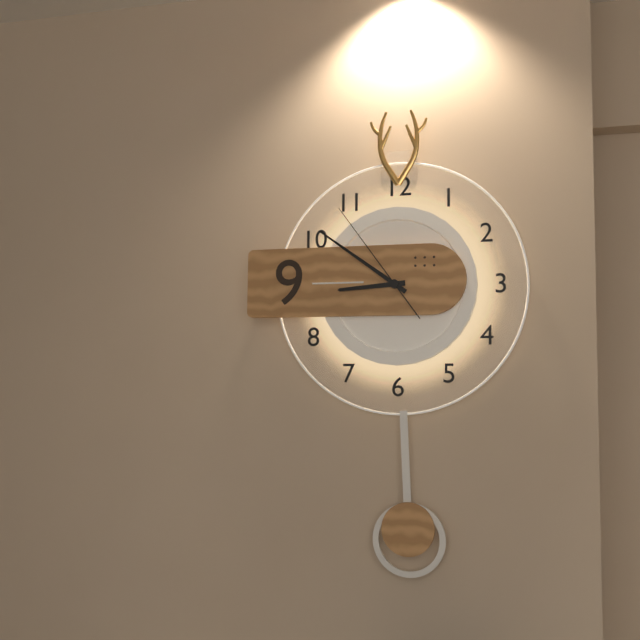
8.51.54
